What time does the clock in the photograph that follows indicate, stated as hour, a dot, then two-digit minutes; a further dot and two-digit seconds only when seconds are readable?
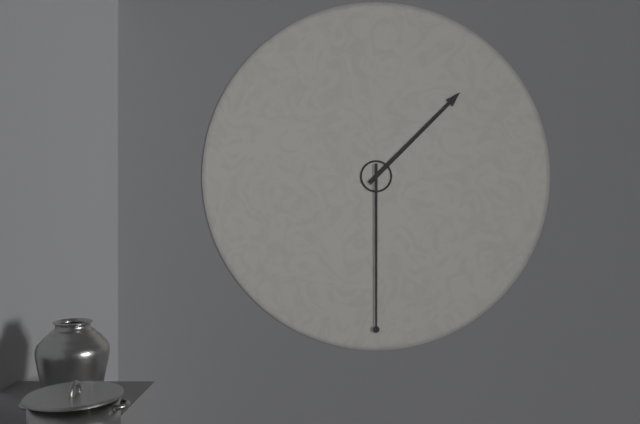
1.30
